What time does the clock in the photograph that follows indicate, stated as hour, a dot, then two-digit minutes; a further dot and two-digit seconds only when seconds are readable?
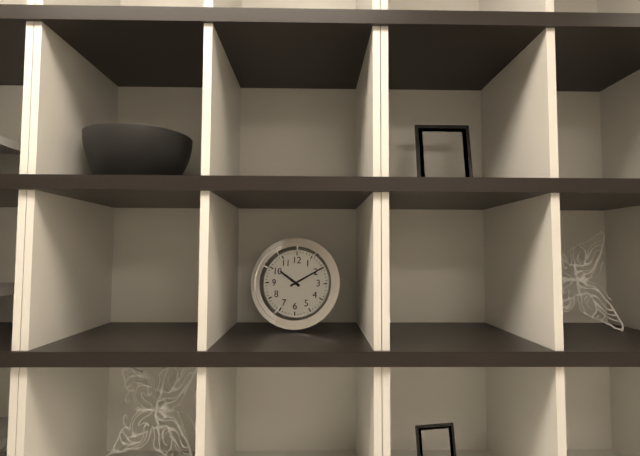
10.10
